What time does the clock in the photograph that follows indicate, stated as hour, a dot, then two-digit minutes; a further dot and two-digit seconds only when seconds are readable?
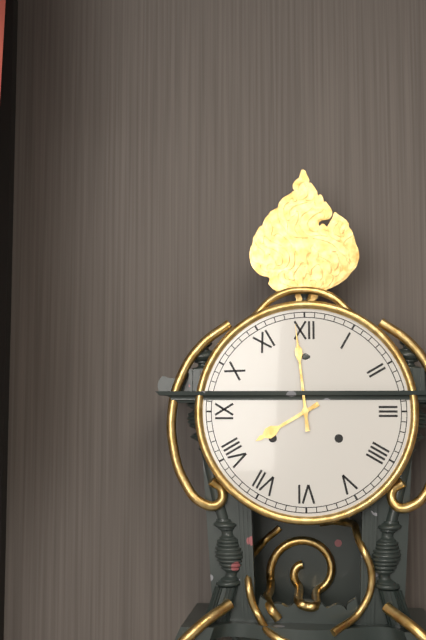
7.59
